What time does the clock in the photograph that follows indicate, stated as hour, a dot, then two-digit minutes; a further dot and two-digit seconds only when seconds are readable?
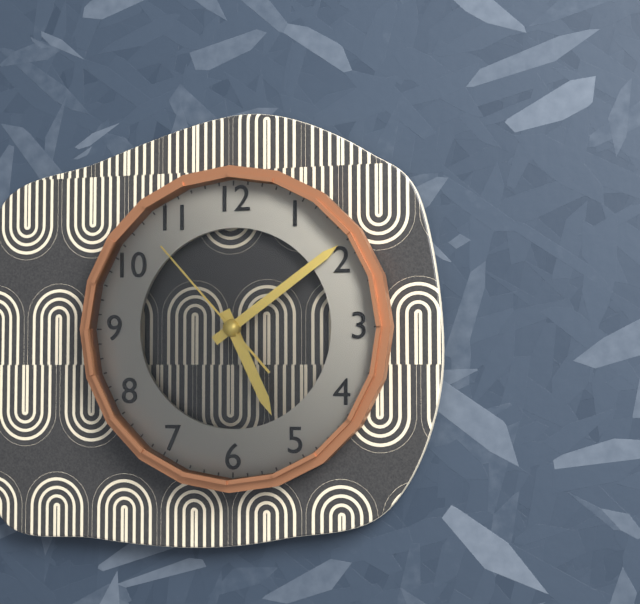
5.09.53
